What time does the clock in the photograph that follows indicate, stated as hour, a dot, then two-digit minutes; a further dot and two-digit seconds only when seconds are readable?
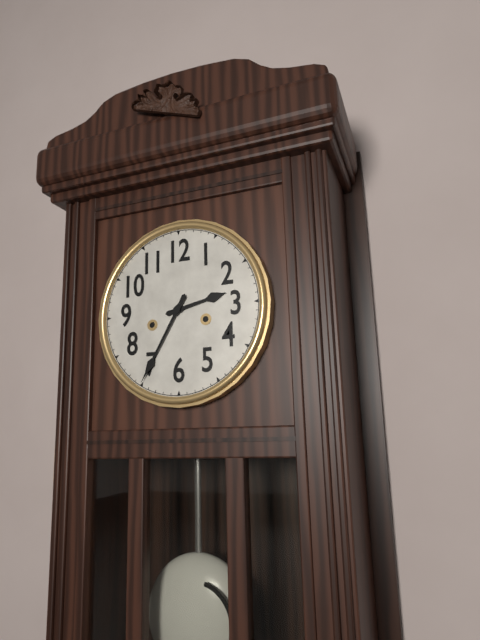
2.35
